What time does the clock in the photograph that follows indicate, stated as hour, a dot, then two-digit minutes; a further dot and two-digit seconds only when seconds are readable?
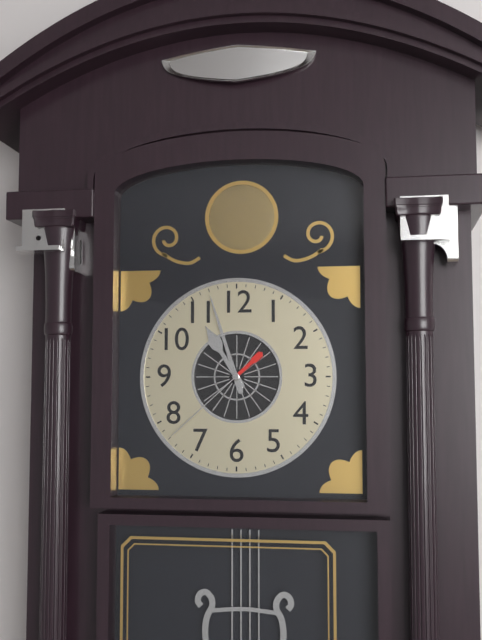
10.57.38
